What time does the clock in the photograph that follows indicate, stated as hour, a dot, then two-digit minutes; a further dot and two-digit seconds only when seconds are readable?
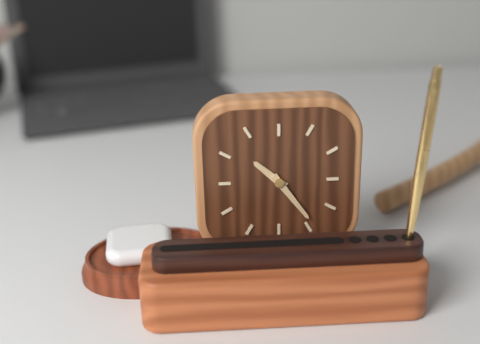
10.24
